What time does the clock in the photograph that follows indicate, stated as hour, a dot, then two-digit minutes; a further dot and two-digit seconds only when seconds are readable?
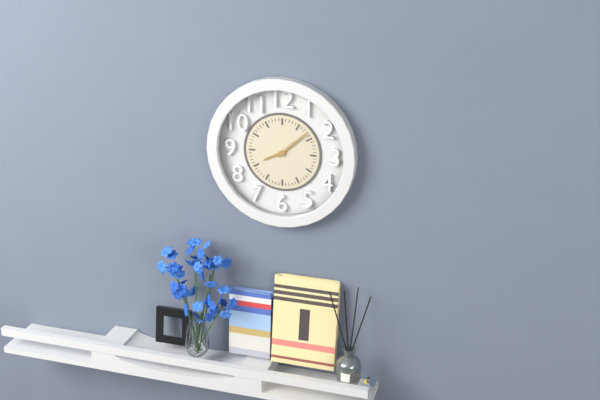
8.08
